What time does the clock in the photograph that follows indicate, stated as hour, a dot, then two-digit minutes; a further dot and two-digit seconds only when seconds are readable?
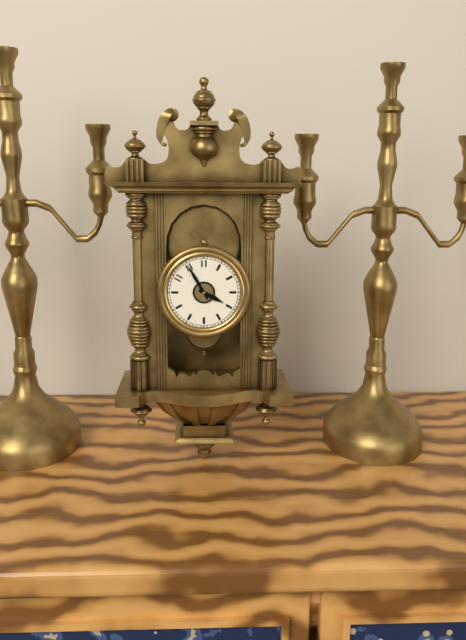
3.55
